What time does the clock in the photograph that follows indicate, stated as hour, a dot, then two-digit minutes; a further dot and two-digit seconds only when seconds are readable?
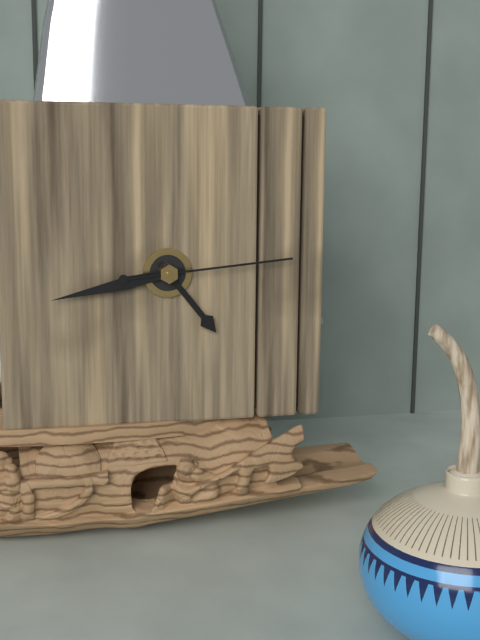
4.43.14
